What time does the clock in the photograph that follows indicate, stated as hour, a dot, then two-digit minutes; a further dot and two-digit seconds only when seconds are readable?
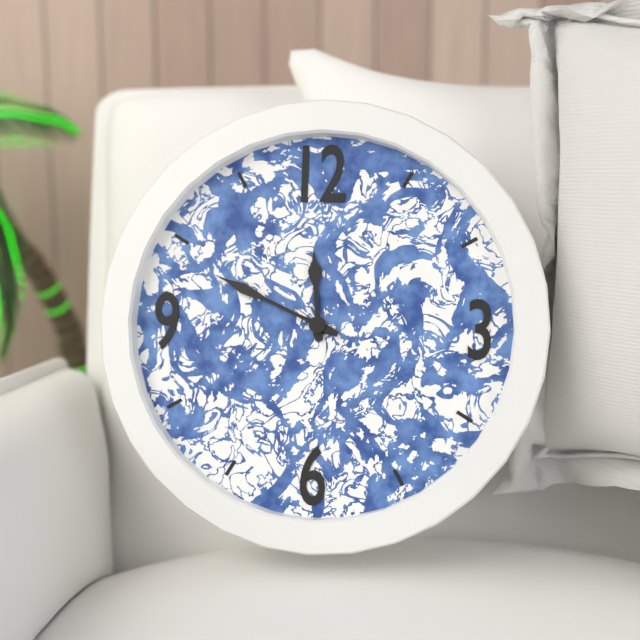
11.49
